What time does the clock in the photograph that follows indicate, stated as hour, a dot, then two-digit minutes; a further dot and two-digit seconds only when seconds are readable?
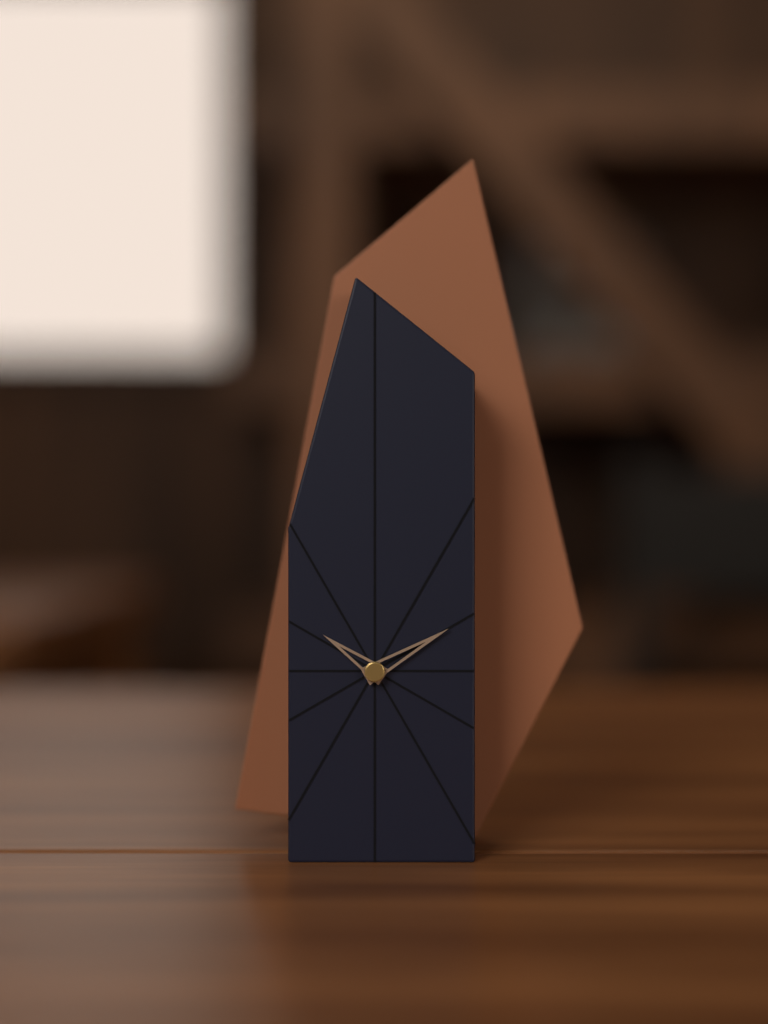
10.10
